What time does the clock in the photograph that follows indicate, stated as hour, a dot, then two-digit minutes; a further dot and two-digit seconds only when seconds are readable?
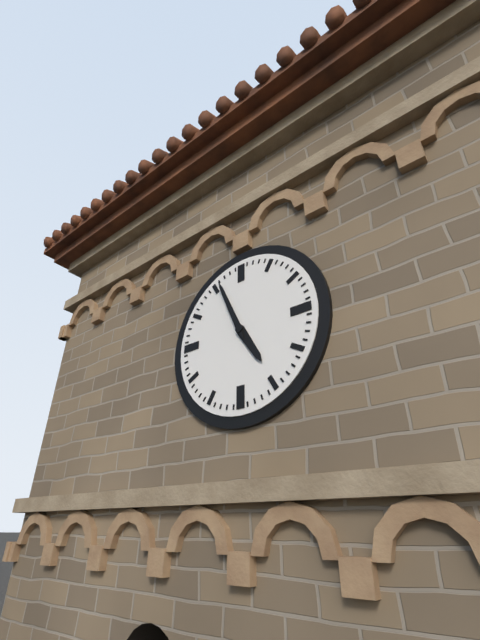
4.56
